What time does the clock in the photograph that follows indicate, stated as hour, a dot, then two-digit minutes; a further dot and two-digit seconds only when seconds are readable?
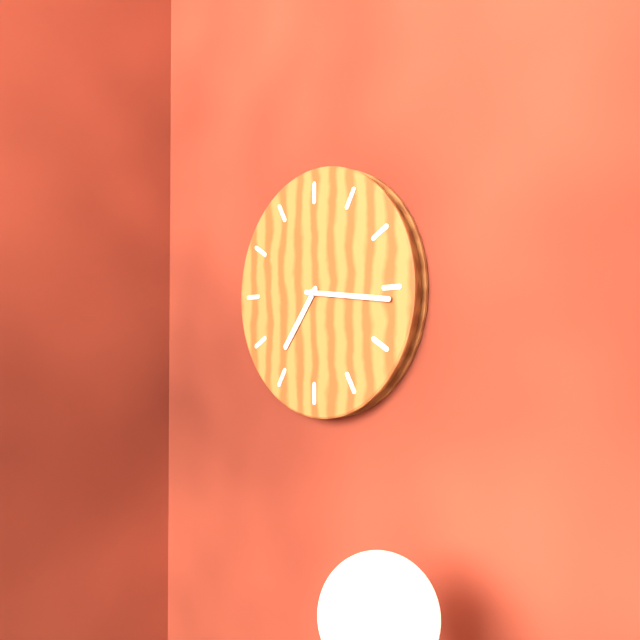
7.16
